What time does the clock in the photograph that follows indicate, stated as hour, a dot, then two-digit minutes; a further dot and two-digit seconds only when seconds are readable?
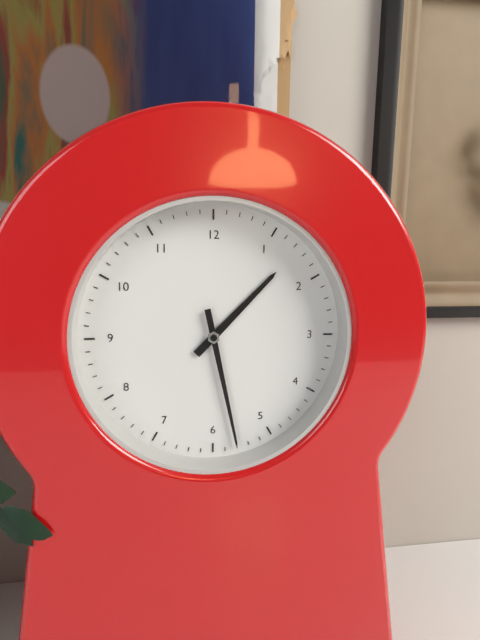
1.28
